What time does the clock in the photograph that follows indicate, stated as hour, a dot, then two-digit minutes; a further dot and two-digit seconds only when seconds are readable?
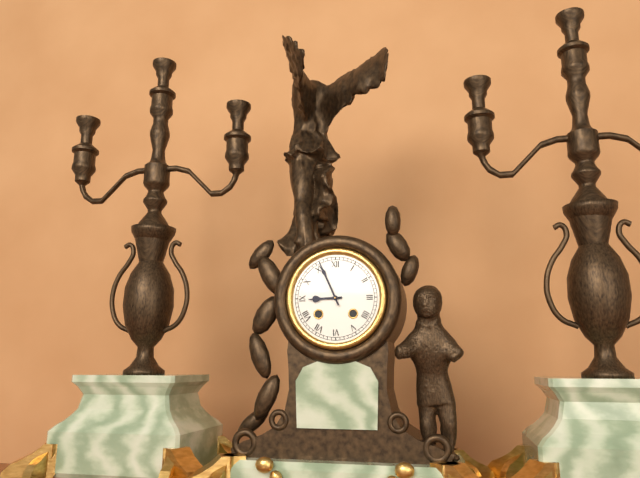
8.56
